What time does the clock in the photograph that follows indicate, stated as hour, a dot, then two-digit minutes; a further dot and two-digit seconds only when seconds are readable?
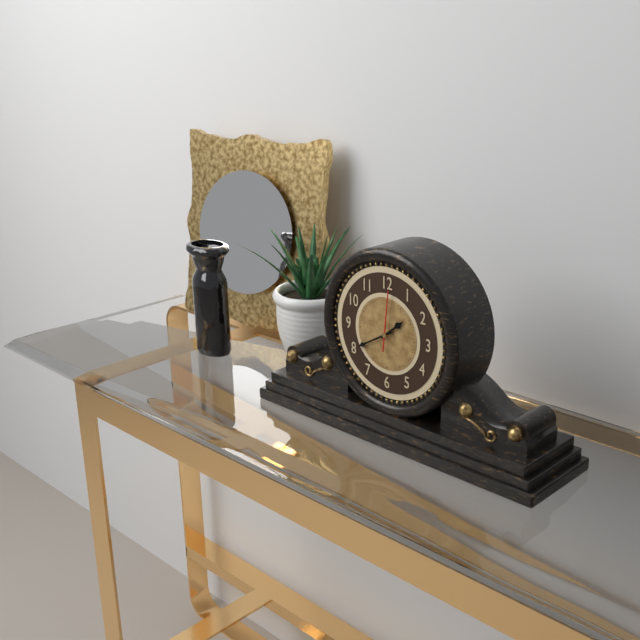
1.40.01
